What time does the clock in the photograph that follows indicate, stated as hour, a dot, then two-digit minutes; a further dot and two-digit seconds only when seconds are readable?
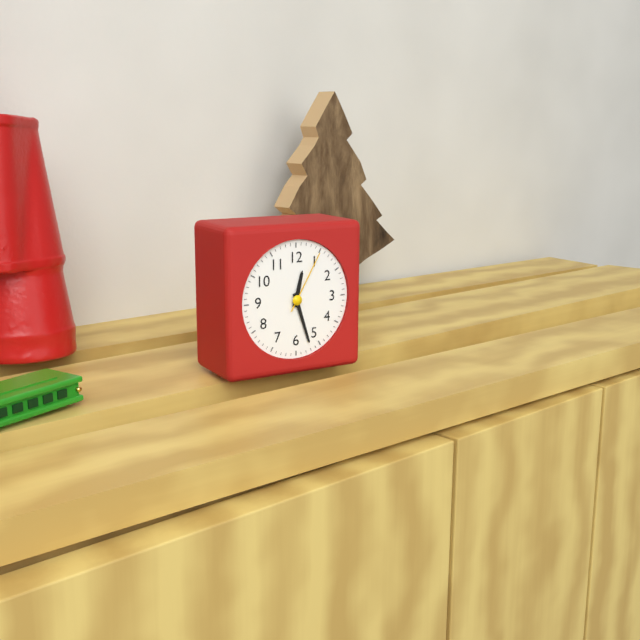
12.27.05
